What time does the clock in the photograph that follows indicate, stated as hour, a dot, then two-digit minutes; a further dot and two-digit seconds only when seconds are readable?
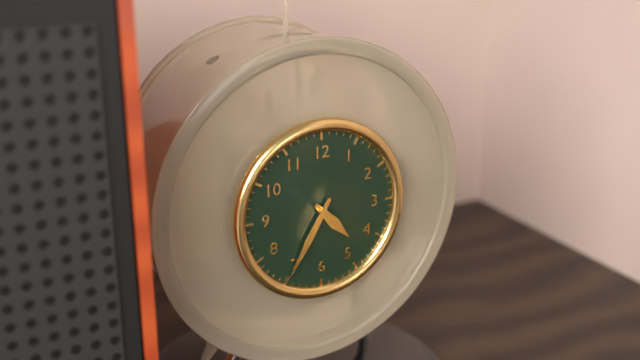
4.35
